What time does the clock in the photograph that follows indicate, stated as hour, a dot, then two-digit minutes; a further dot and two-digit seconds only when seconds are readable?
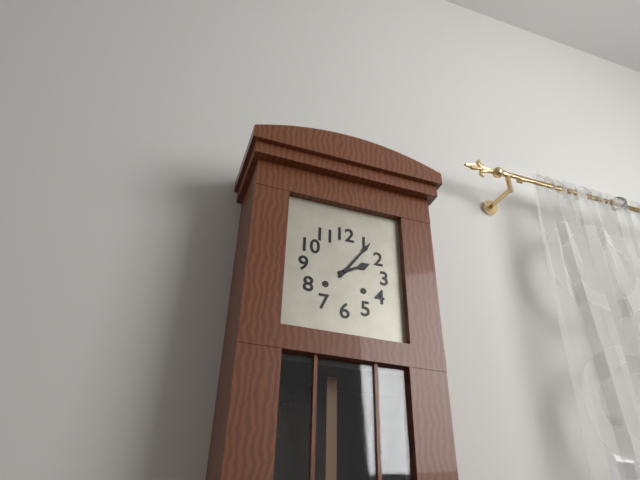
2.06
